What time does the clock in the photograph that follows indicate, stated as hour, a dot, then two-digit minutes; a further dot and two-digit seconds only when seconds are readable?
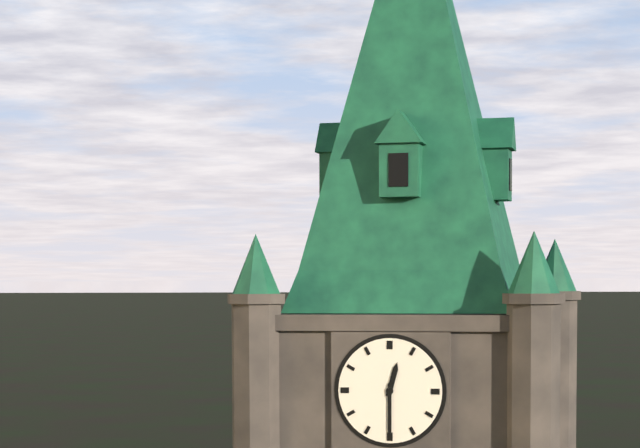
12.30
